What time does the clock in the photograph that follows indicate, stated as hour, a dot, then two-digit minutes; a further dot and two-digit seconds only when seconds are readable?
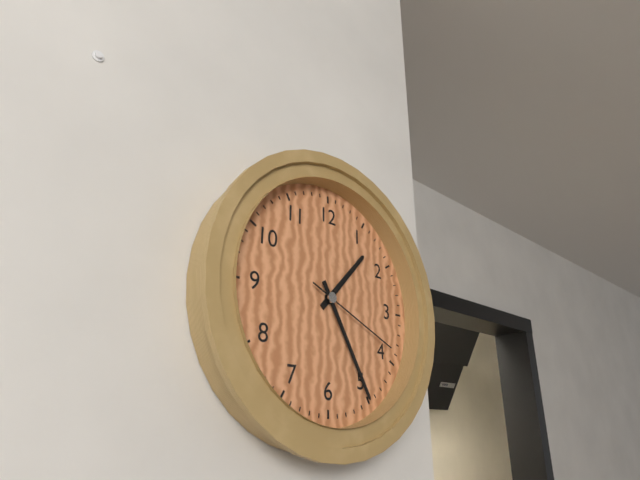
1.25.19
